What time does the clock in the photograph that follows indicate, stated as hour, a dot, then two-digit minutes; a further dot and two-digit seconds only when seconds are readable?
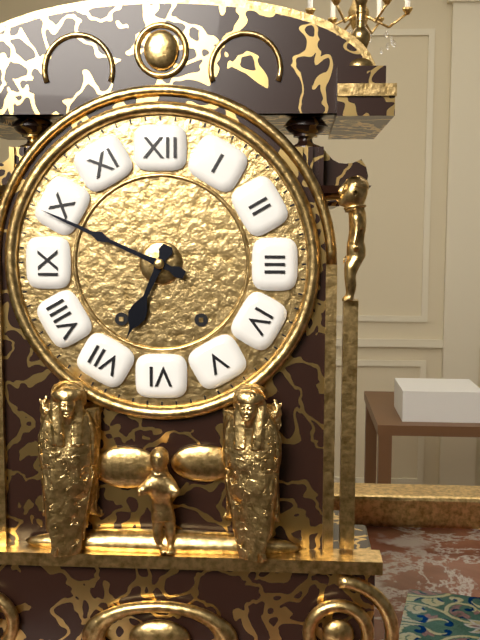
6.49
